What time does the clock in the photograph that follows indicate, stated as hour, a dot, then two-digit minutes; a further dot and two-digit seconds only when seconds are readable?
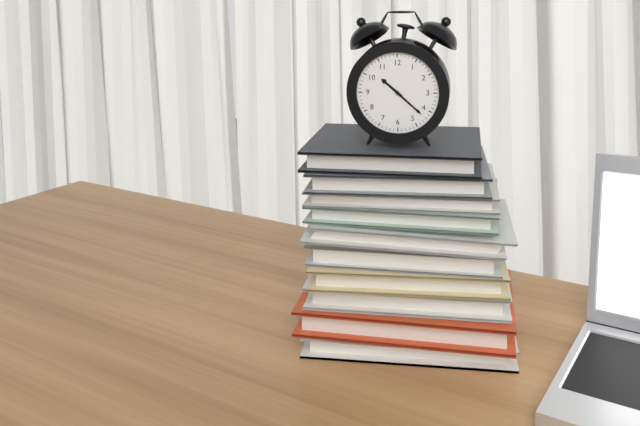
10.22
